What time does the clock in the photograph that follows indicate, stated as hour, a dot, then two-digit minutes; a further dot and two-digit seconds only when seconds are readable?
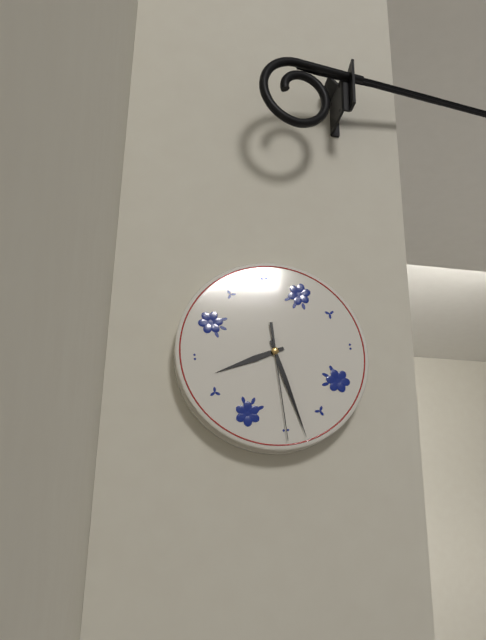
8.28.30
